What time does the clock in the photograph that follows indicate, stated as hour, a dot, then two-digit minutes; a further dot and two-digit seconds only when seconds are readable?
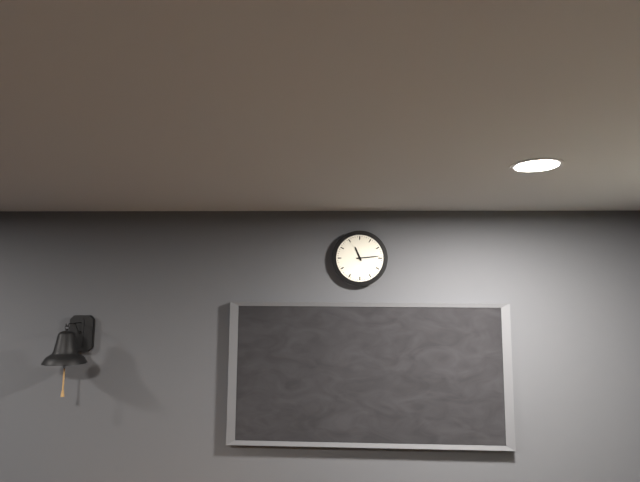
11.14
